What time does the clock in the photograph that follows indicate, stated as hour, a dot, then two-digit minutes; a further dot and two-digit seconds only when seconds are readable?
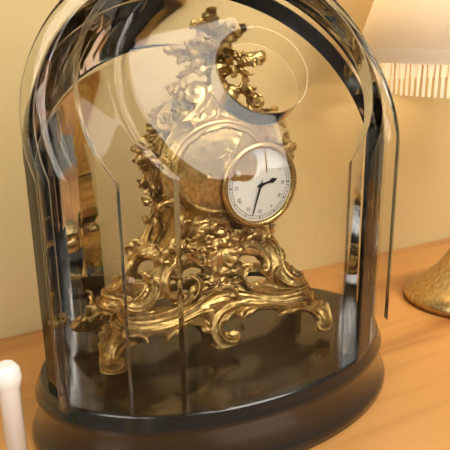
2.33
